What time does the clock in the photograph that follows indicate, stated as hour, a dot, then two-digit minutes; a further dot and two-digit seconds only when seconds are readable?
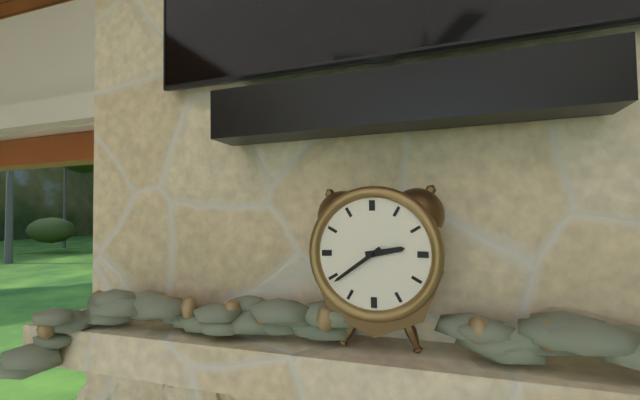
2.39
